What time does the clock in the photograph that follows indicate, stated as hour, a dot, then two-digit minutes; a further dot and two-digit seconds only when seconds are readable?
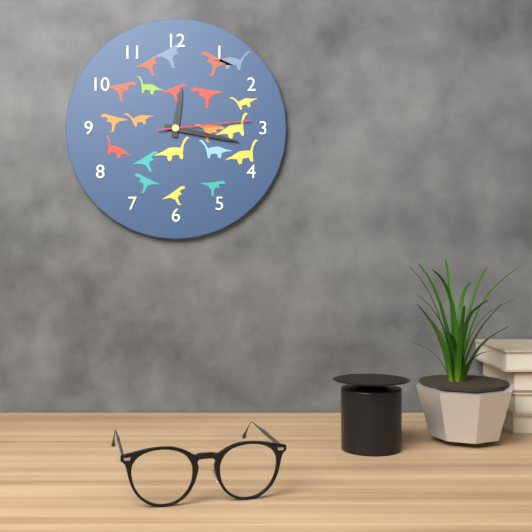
12.17.14
